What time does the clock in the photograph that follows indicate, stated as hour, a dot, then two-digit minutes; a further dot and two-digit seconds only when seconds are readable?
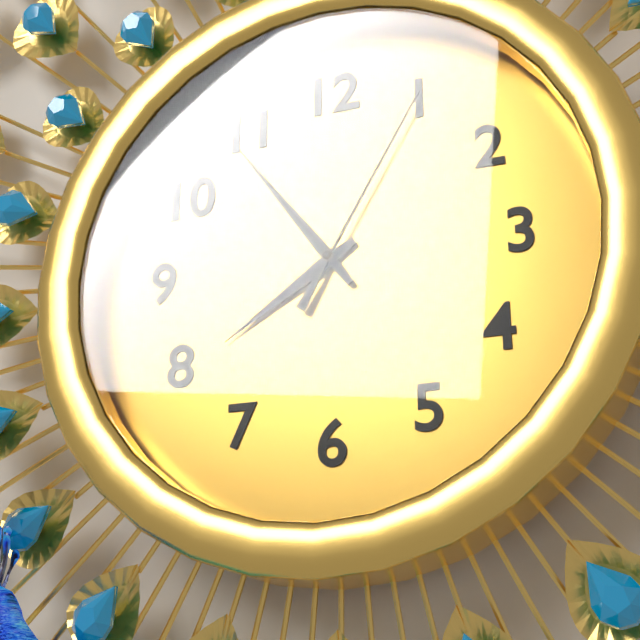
7.54.05
